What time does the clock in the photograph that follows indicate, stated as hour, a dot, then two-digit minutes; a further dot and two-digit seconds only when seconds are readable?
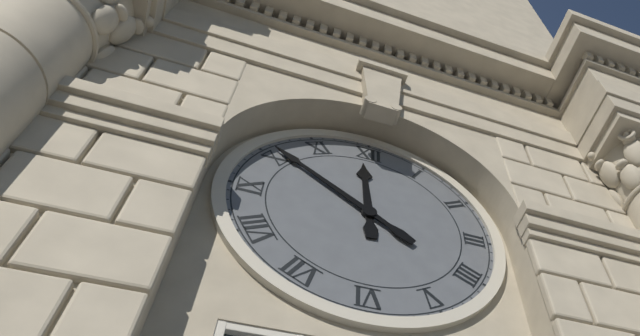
11.51
